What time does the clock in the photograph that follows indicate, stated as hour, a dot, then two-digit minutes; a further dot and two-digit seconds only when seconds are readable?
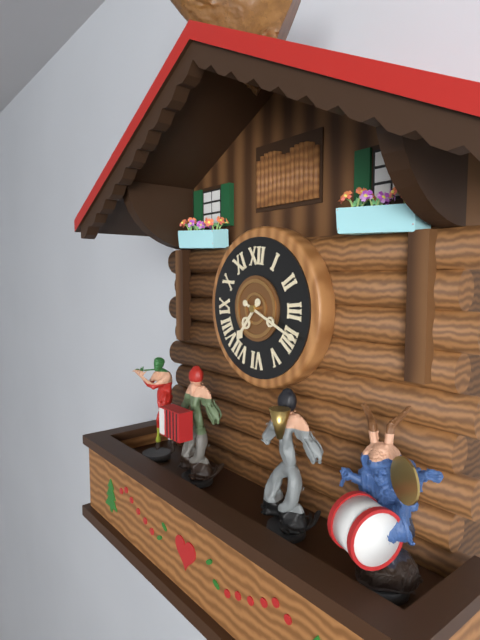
7.19
